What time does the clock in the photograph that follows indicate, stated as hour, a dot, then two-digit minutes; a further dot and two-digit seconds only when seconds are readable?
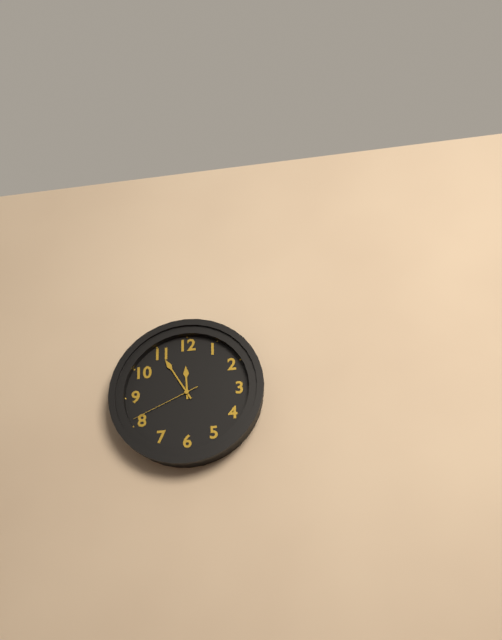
11.55.41
